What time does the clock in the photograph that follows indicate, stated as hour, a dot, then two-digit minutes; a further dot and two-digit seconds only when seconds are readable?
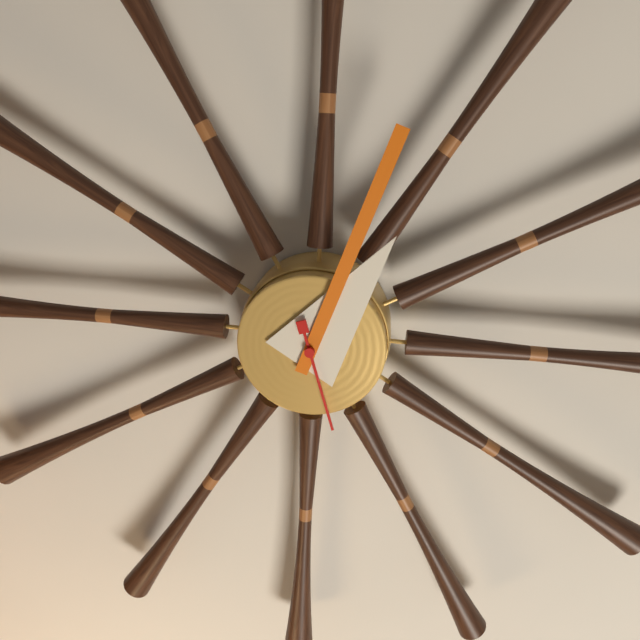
1.03.27
